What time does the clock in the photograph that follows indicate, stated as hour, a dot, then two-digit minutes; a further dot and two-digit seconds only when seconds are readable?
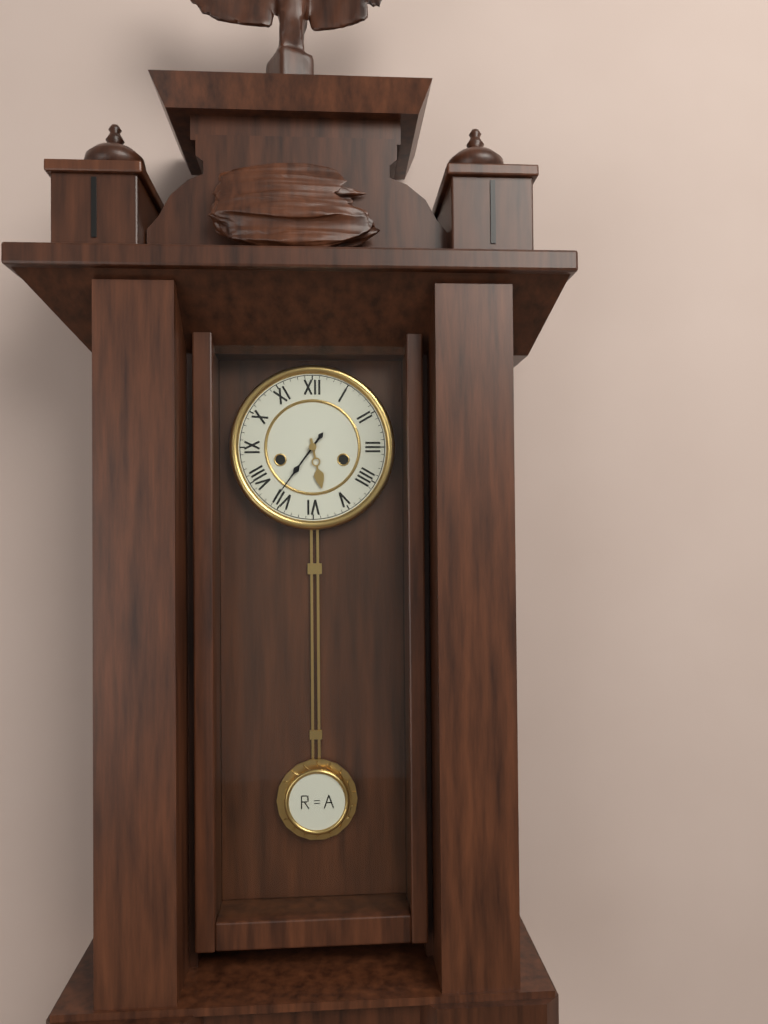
5.36
